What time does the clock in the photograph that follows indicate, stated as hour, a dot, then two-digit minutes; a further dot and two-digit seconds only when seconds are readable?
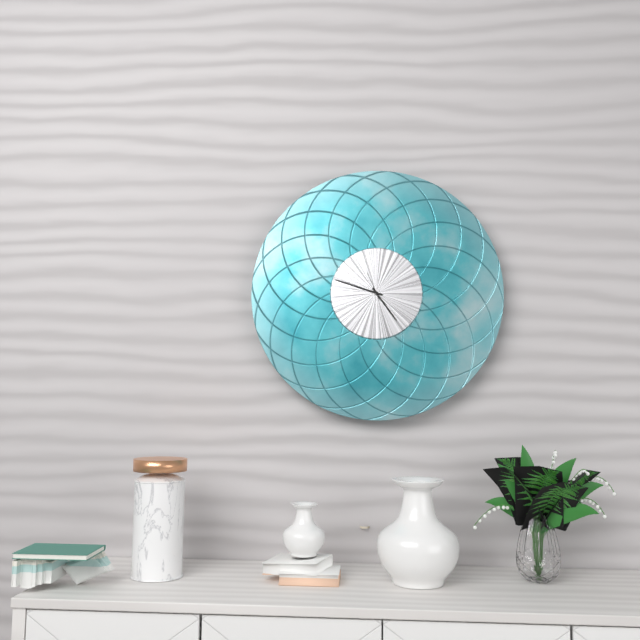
4.48
